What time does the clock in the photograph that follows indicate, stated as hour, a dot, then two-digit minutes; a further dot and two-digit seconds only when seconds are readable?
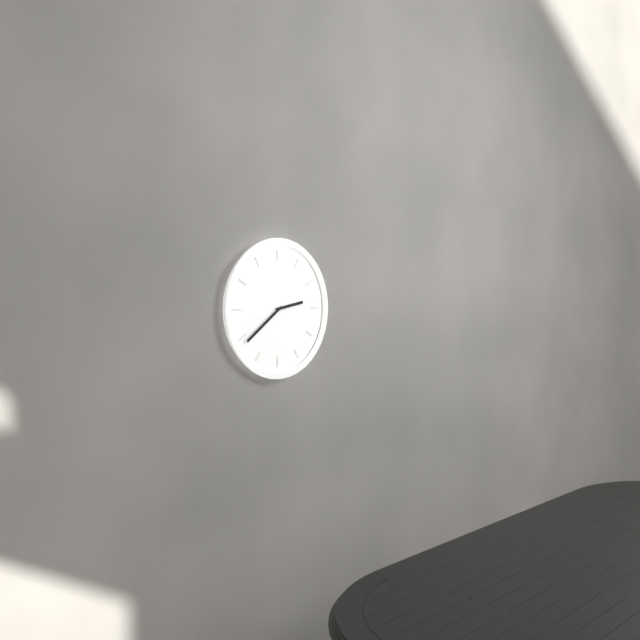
2.39
